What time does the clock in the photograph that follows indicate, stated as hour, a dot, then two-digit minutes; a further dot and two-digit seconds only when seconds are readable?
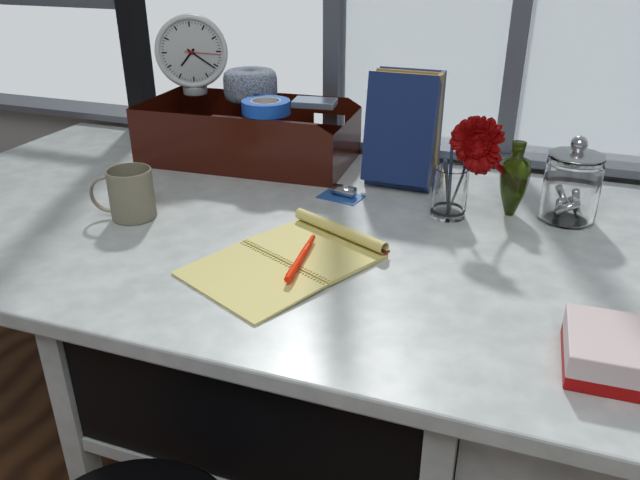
7.21
